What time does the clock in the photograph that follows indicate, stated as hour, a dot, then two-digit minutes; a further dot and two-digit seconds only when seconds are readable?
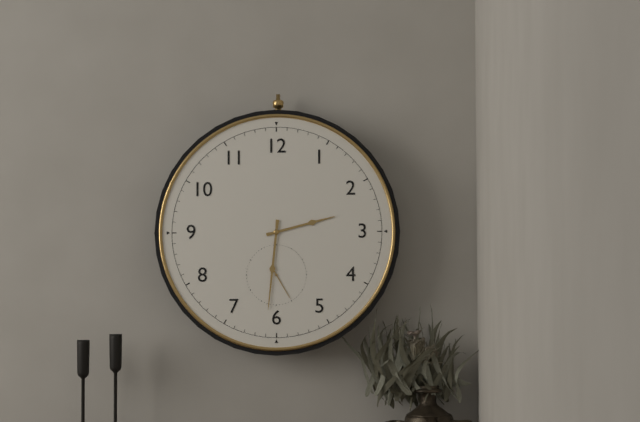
2.31
